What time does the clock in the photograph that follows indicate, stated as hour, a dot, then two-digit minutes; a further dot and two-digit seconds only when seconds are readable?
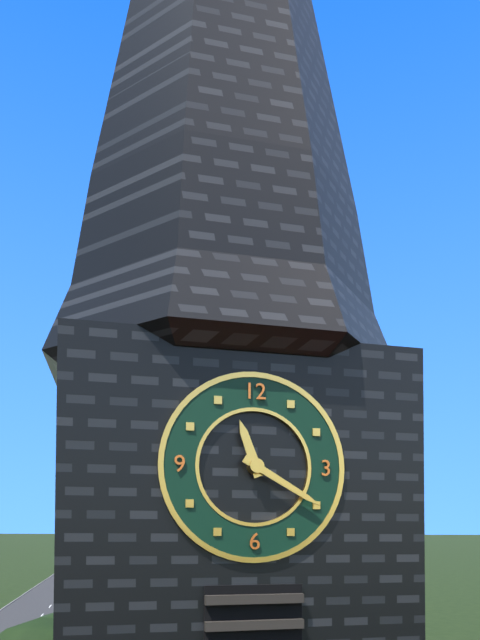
11.20
